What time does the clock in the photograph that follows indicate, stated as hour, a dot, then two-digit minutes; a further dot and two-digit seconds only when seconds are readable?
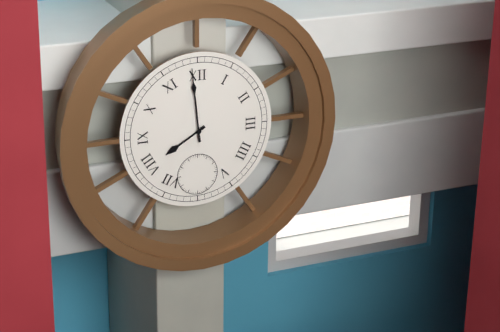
7.59
